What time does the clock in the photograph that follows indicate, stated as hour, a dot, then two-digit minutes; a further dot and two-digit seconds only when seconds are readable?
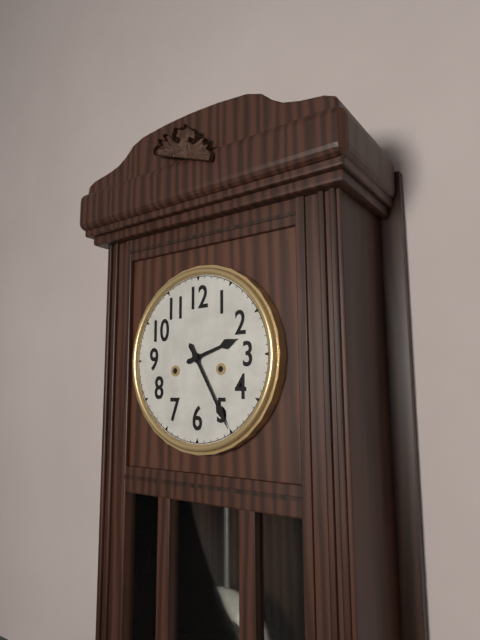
2.25
